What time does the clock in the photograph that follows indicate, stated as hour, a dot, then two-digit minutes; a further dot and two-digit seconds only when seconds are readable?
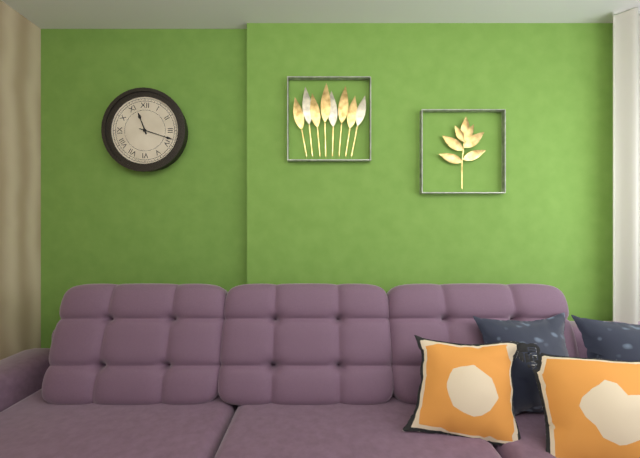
11.18
